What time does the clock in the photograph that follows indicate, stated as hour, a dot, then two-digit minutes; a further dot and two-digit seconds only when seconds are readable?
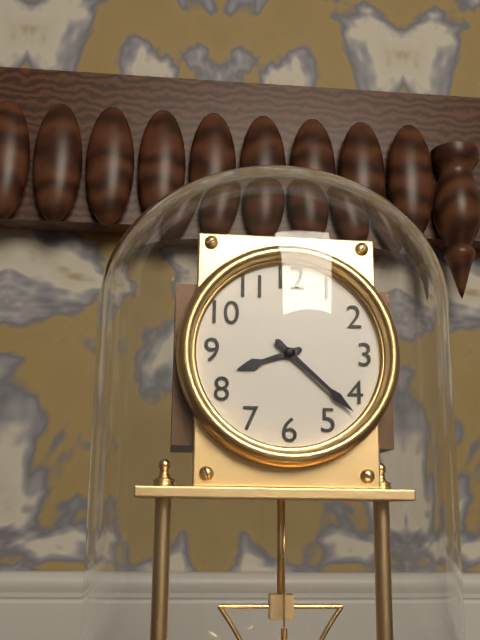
8.22
